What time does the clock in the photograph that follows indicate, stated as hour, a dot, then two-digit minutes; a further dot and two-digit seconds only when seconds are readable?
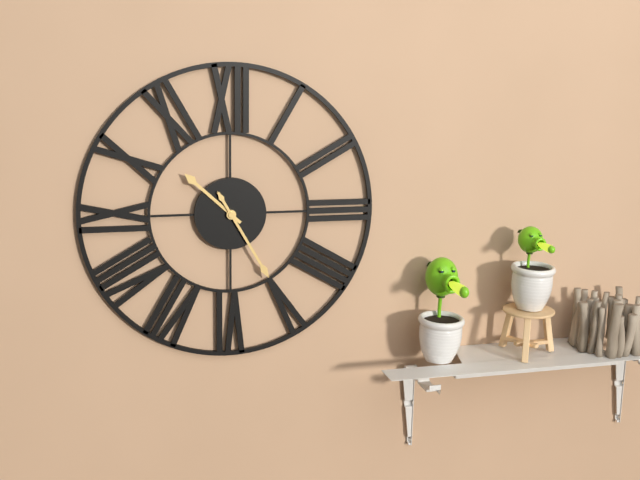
10.25
